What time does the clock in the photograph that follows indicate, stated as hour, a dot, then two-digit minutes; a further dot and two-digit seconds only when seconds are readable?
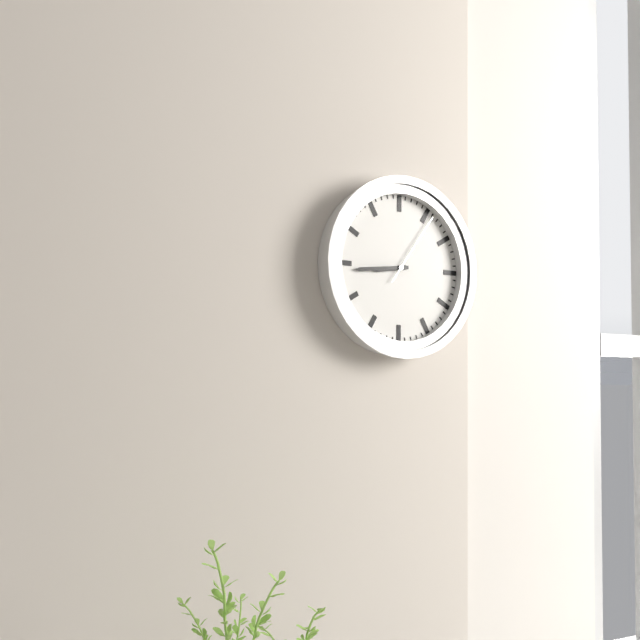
8.44.06
